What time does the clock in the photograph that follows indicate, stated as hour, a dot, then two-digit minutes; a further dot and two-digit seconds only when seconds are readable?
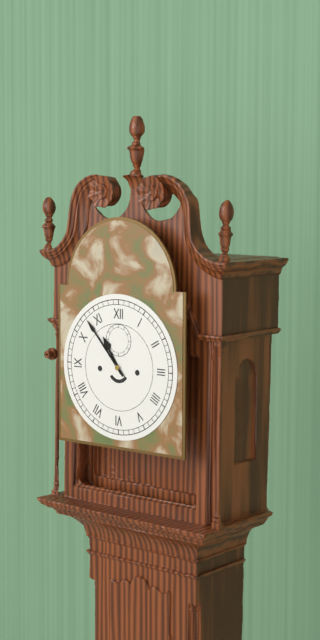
10.53
